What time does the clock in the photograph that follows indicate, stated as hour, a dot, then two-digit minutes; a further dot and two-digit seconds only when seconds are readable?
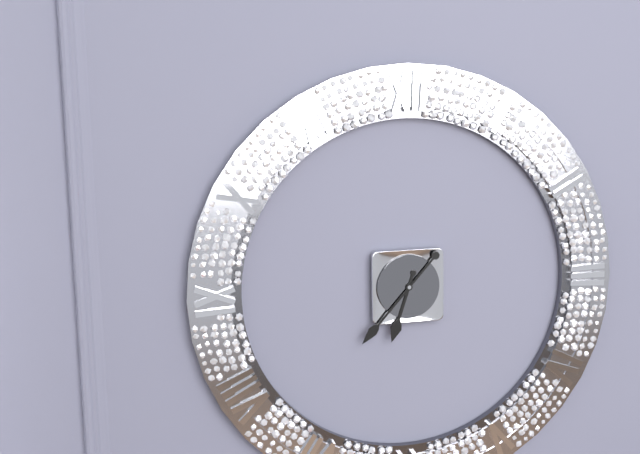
6.37
